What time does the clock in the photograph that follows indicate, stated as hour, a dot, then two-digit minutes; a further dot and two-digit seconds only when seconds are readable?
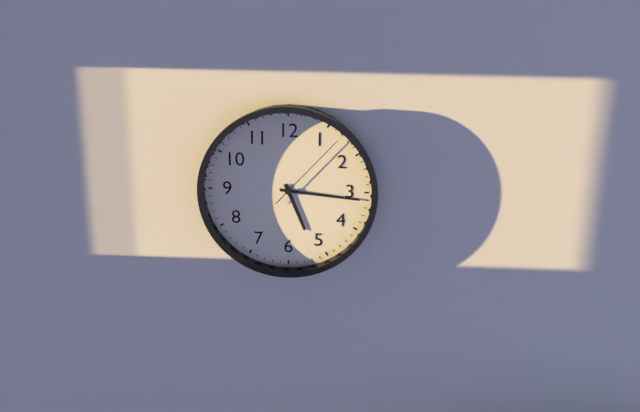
5.16.07
